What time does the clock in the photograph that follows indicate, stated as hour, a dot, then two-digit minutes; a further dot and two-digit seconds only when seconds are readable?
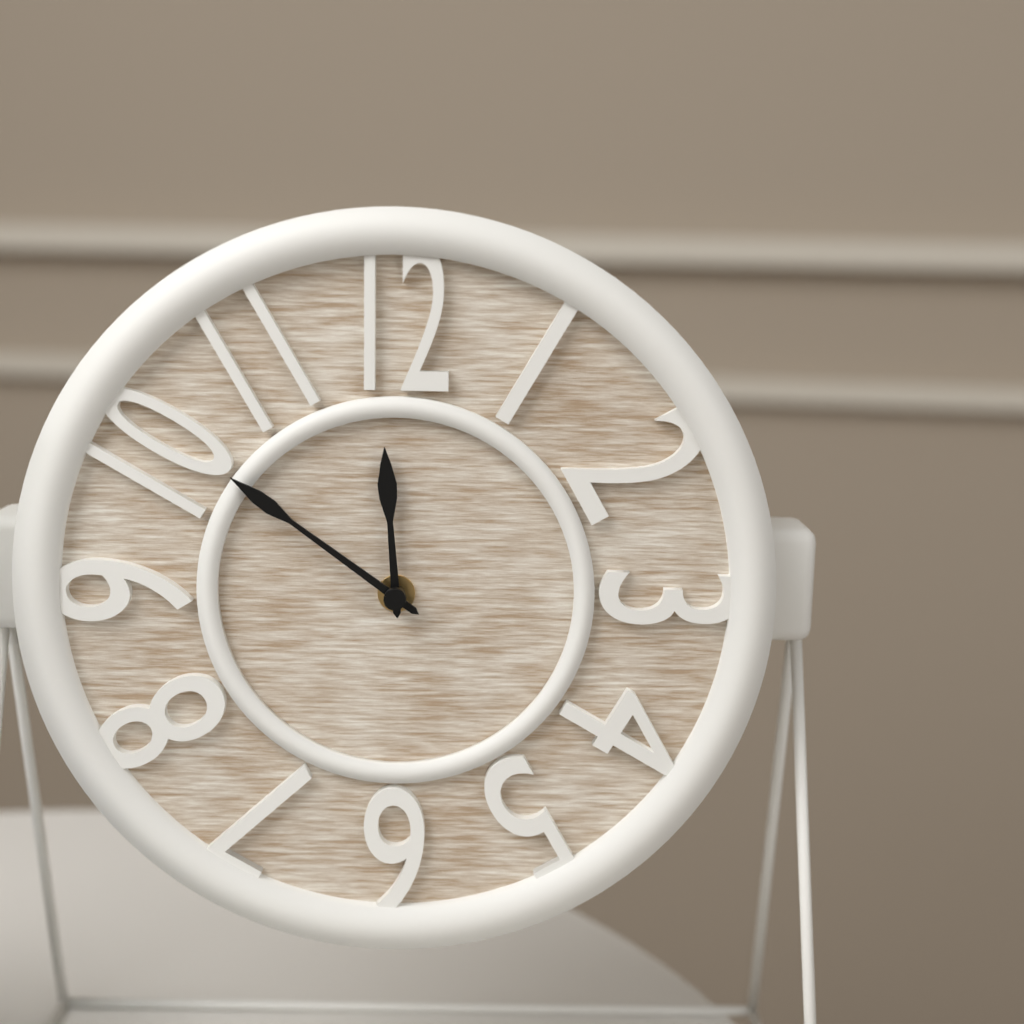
11.51
